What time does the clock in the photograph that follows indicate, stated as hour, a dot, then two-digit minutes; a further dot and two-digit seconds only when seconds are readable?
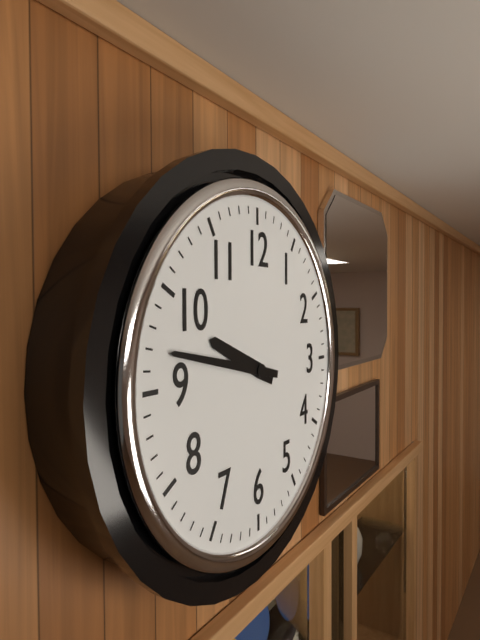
9.47
